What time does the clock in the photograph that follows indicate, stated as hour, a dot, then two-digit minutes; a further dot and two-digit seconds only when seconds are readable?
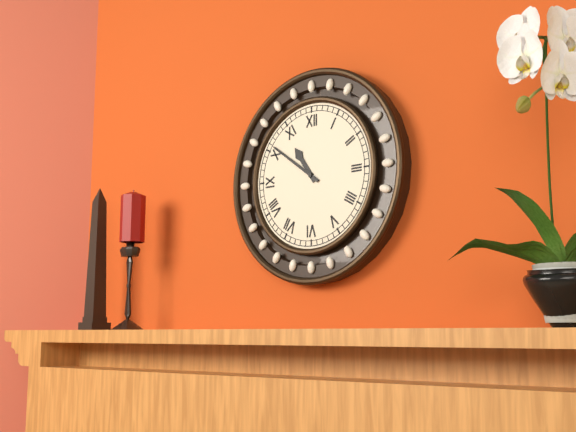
10.51
